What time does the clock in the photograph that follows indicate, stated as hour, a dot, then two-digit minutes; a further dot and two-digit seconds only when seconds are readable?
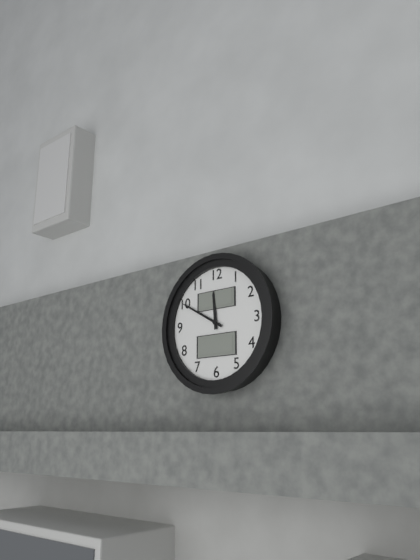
11.50
